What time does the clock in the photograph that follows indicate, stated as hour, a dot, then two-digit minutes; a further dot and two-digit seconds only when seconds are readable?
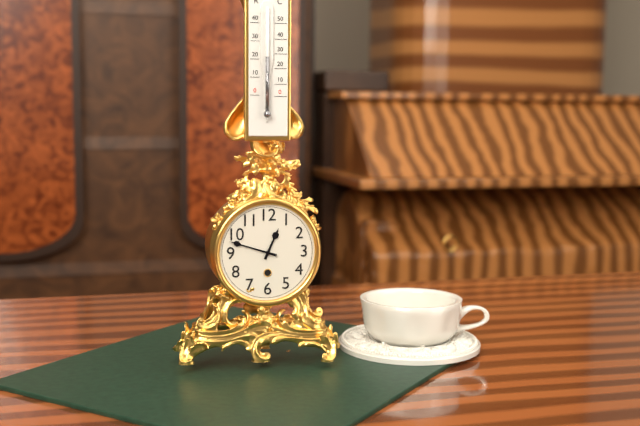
12.48
